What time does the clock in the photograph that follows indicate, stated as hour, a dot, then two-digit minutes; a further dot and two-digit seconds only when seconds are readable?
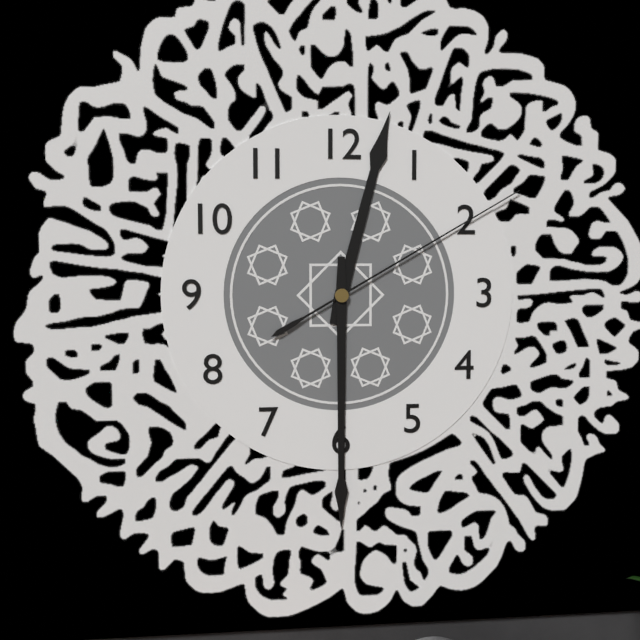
12.30.10
